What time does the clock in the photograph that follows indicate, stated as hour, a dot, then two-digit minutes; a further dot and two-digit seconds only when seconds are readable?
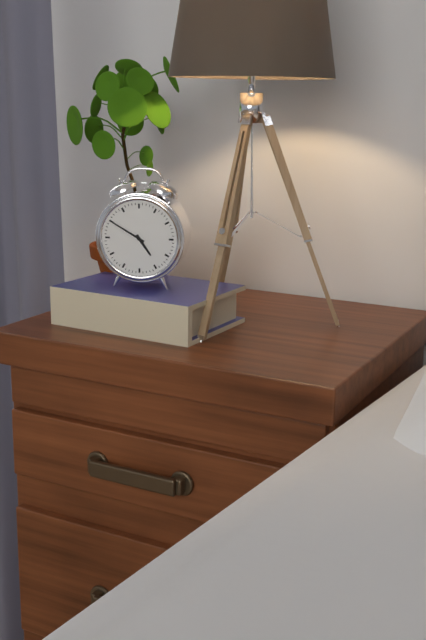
4.50
